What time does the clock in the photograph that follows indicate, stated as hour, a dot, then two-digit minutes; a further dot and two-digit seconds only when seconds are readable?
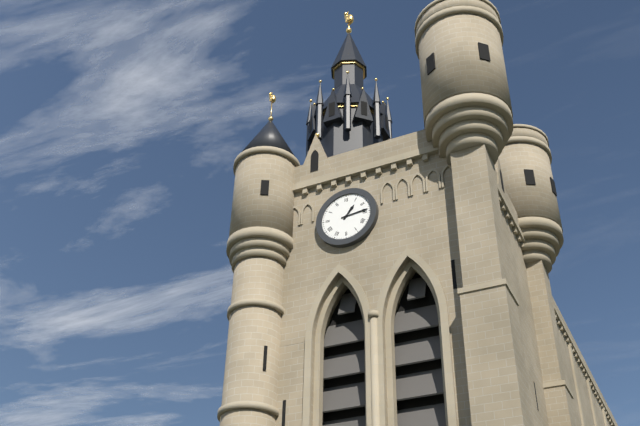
1.14
